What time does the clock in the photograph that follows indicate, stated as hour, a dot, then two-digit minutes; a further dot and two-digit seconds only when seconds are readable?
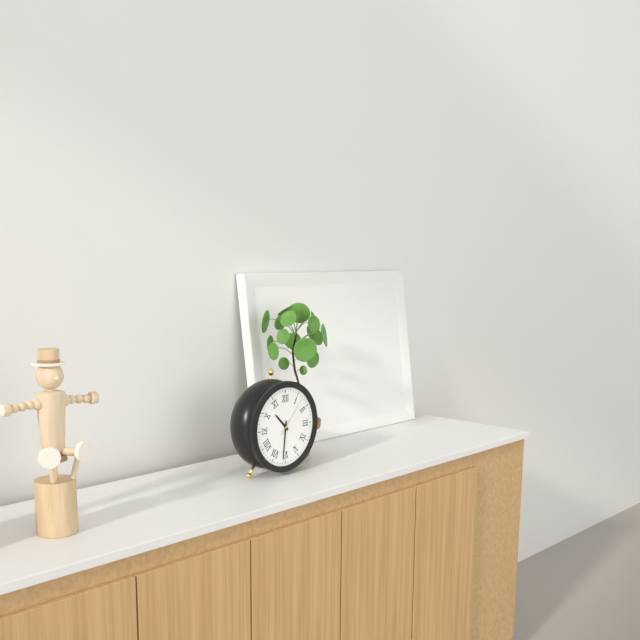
10.31
